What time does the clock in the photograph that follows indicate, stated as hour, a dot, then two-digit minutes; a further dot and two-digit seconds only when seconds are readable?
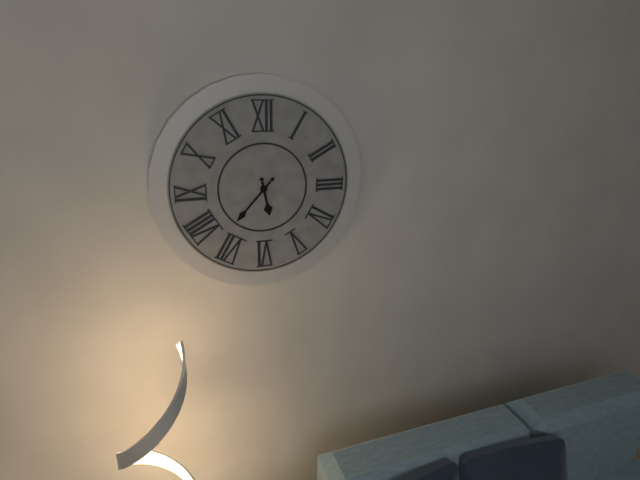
5.37
